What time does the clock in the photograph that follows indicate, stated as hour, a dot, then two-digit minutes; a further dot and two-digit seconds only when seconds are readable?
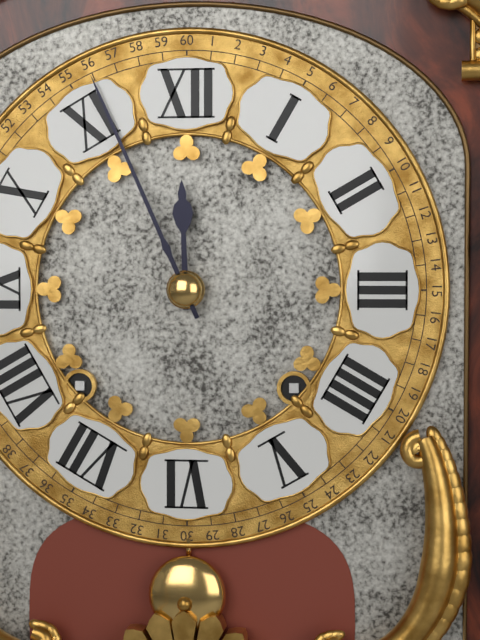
11.56
